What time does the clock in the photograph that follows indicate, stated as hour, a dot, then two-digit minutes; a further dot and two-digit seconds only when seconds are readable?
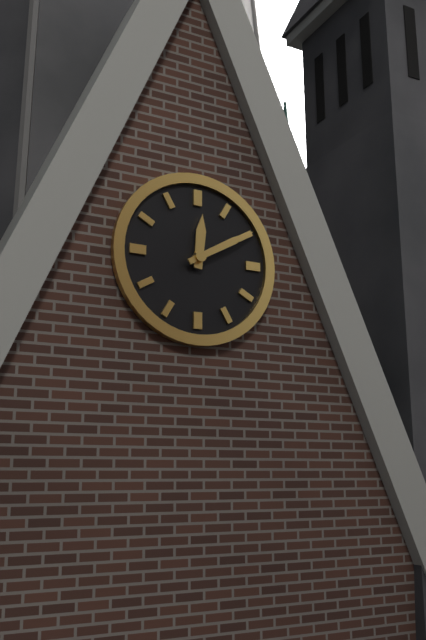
12.10
